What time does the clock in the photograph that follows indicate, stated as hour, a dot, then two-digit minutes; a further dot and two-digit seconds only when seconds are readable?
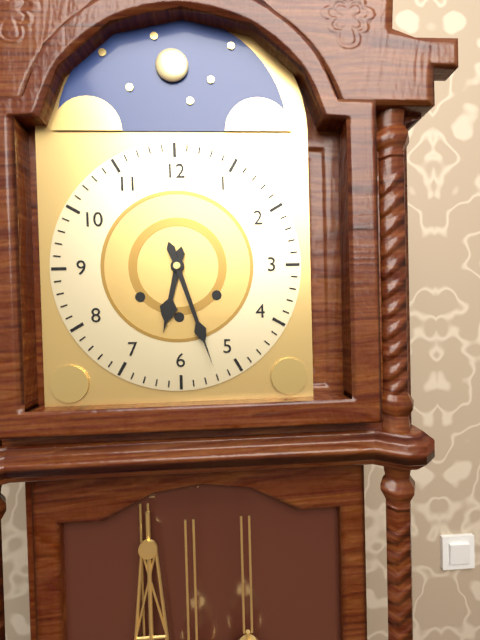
6.27
